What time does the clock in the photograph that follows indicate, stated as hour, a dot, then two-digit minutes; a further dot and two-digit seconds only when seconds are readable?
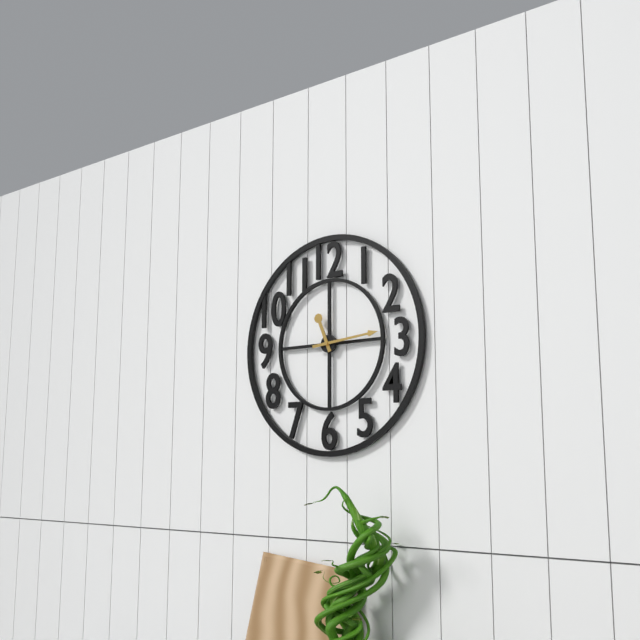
11.14
